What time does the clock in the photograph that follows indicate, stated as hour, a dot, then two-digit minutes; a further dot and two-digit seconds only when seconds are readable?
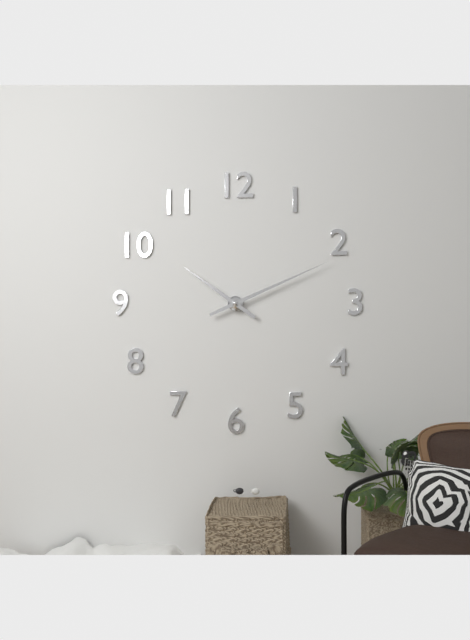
10.11
